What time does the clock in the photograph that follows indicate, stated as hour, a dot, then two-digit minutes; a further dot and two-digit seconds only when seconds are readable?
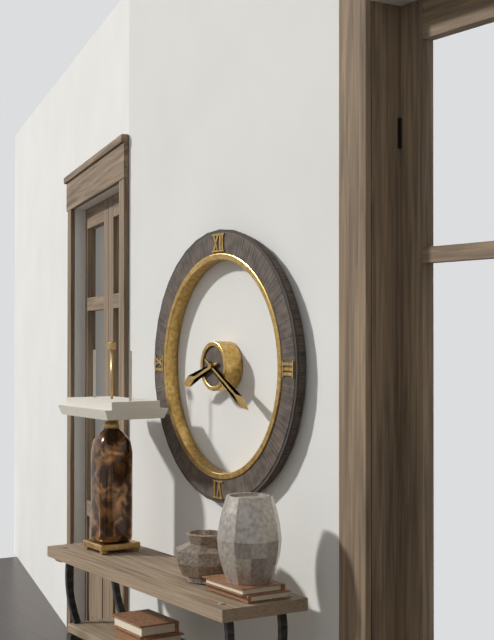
8.20
